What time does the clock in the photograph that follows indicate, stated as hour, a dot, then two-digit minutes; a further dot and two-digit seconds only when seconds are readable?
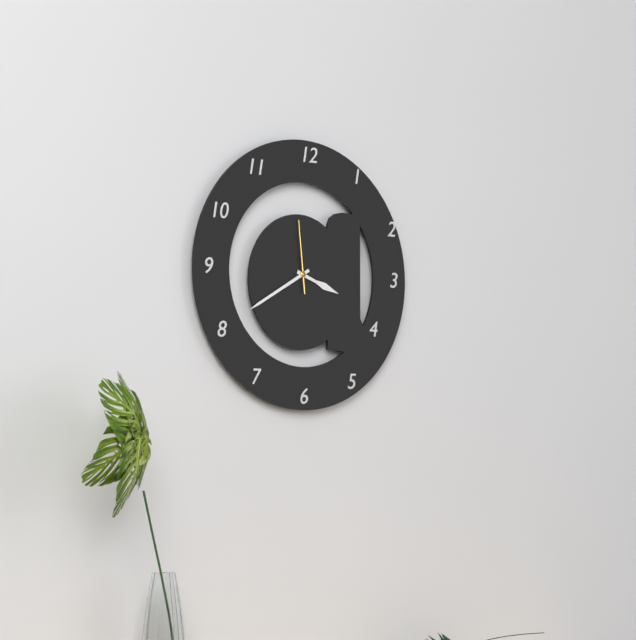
3.40.59
